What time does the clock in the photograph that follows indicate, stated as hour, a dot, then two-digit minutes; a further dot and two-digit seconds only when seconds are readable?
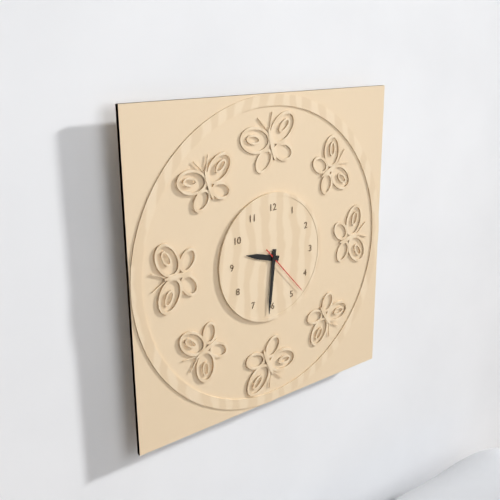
9.31.23
